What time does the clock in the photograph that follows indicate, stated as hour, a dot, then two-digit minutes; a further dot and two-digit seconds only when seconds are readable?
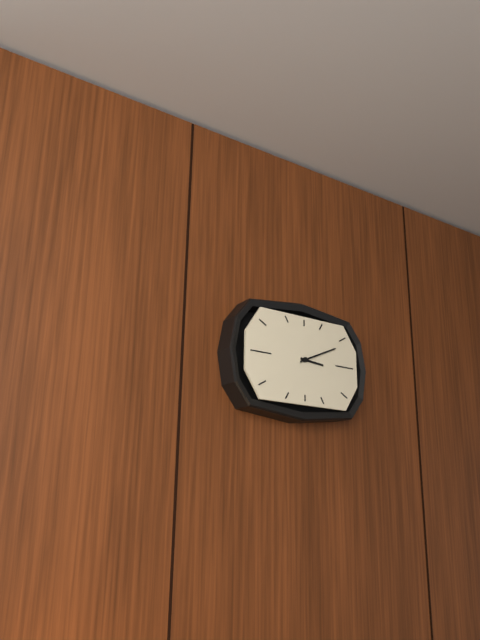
3.11
